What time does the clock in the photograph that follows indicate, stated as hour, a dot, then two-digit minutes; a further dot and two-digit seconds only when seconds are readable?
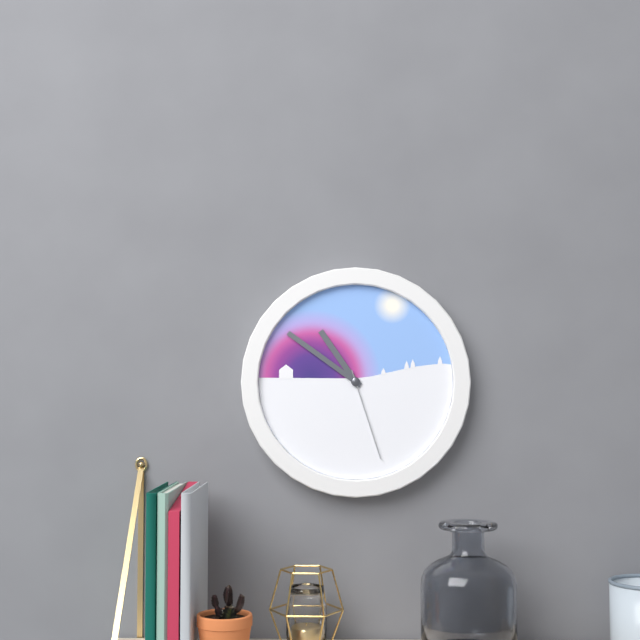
10.51.27
